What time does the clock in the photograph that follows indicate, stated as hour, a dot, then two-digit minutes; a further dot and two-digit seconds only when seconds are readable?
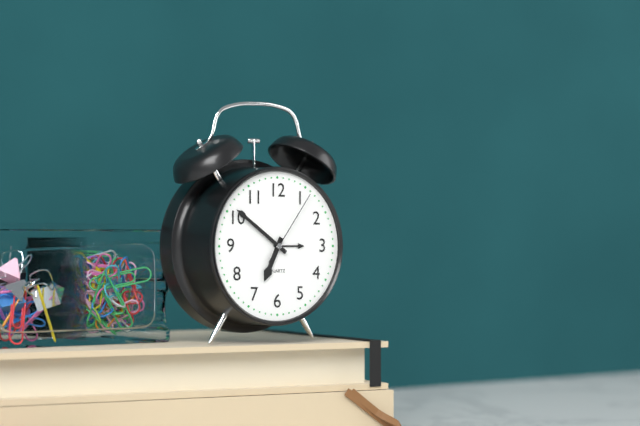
6.51.06
